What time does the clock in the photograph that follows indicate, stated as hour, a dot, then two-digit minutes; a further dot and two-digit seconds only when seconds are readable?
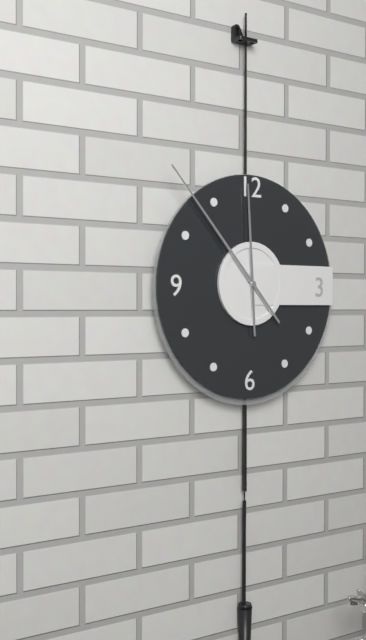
11.53
